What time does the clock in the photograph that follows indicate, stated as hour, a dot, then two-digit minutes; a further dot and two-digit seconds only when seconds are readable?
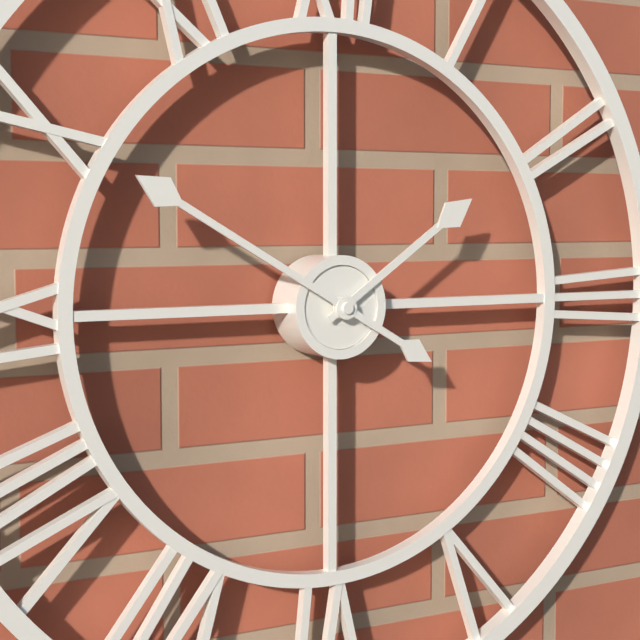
1.50
